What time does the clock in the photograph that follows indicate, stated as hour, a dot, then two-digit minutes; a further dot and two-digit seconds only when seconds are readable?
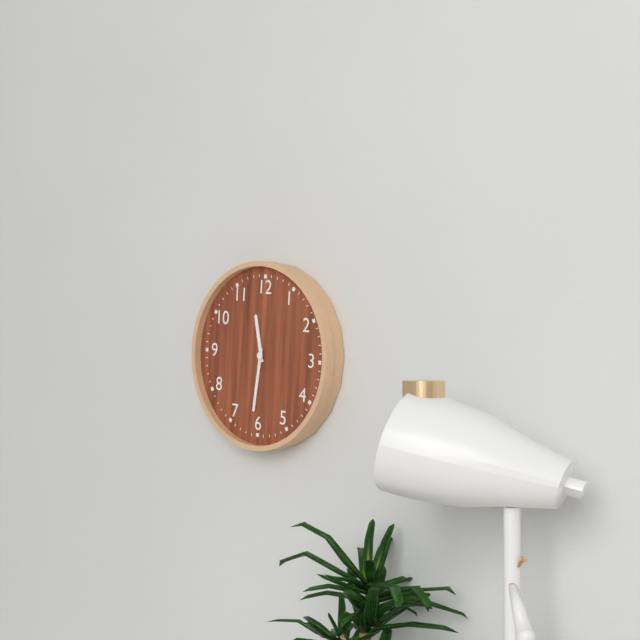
11.31
